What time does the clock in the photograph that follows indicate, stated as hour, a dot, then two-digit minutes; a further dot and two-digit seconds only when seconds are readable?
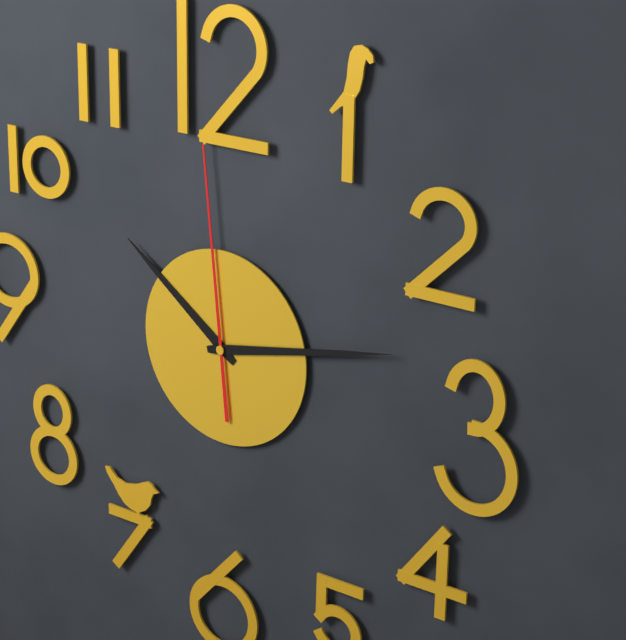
10.13.59
